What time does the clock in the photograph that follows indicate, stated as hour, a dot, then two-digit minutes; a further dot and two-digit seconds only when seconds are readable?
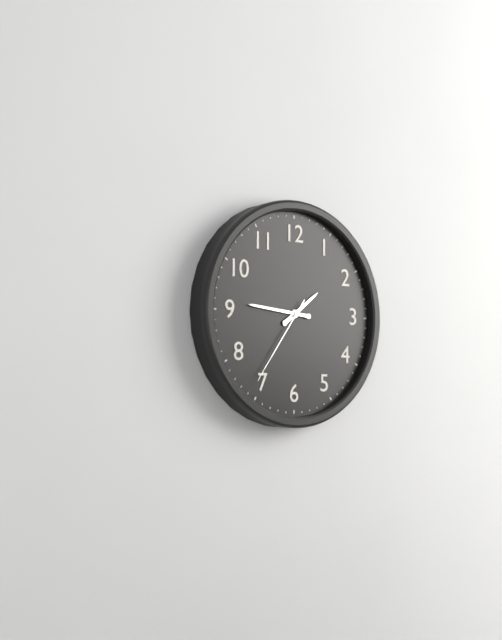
1.46.36
